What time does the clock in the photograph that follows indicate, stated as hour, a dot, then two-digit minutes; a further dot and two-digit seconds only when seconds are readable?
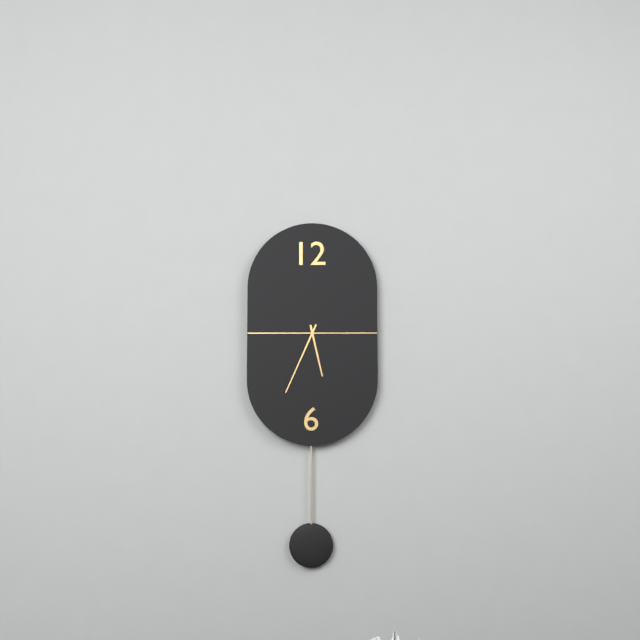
5.34
